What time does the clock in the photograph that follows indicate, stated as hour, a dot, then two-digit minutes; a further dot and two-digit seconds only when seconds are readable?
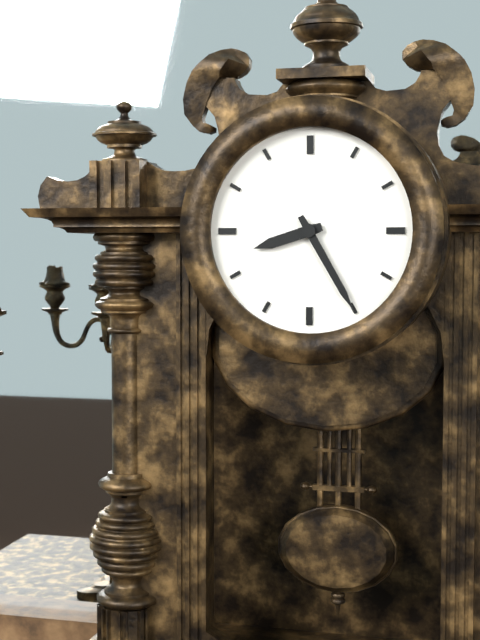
8.25
